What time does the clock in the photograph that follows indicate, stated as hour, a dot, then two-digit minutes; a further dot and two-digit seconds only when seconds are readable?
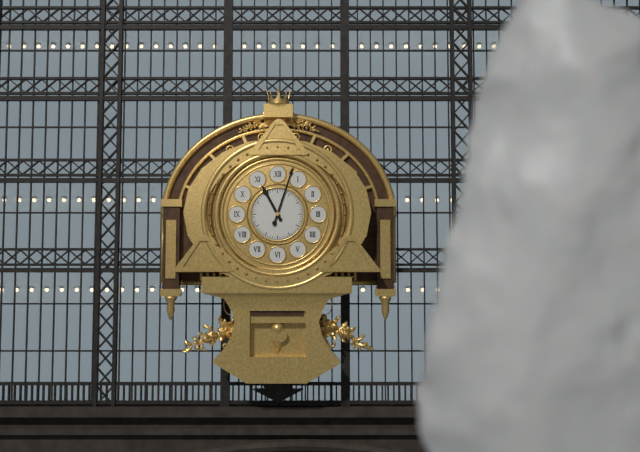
11.03
